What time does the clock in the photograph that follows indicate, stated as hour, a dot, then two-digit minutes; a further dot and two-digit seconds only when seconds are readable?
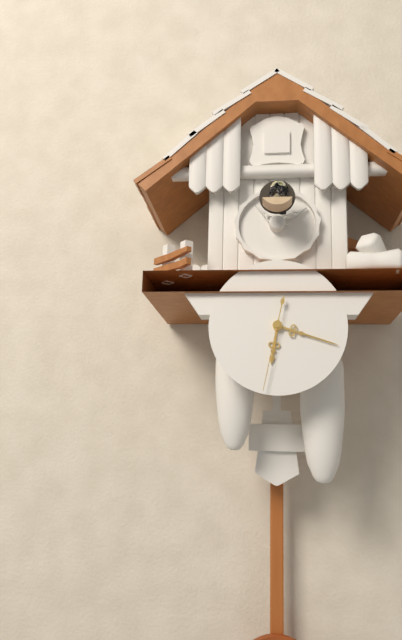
6.18.32
